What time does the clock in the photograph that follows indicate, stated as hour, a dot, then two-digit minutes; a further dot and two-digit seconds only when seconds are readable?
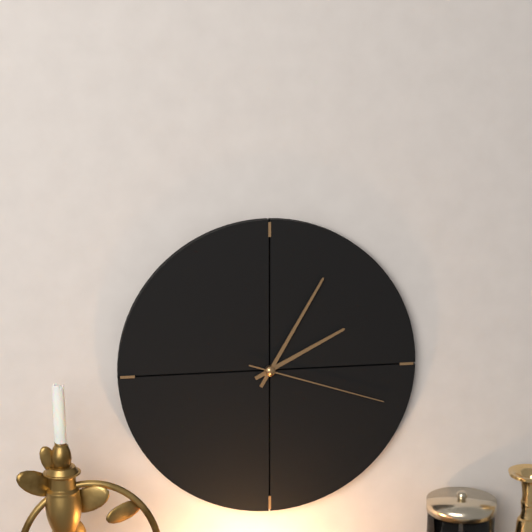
2.05.18
